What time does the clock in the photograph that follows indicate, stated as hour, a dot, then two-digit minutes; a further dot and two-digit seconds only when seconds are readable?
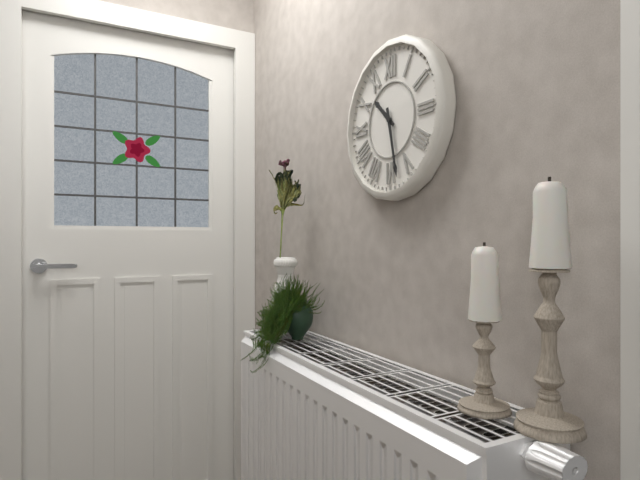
10.28
